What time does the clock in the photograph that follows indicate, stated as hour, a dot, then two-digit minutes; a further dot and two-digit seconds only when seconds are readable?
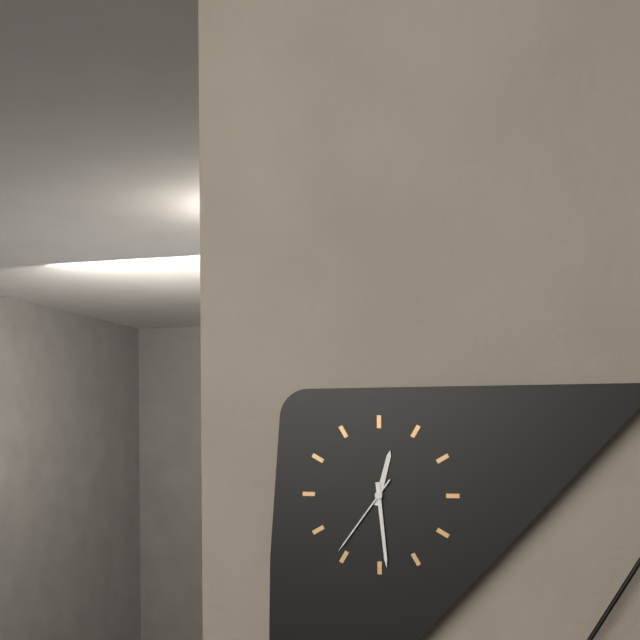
12.29.36
